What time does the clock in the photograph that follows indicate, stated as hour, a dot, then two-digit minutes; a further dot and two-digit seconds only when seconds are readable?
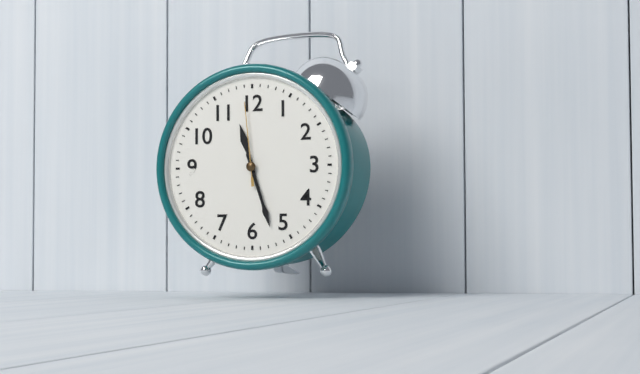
11.27.59
